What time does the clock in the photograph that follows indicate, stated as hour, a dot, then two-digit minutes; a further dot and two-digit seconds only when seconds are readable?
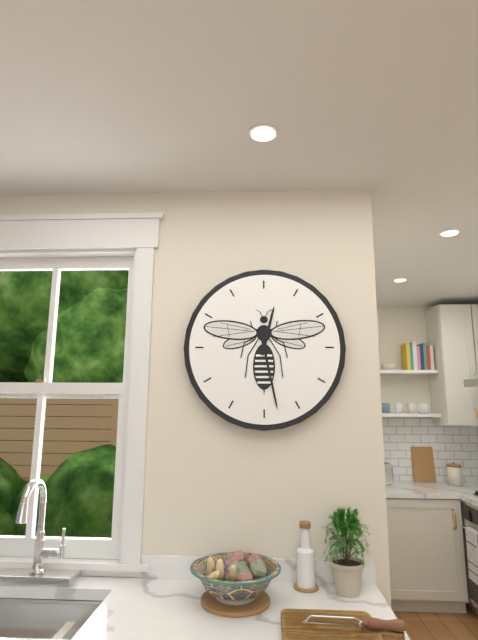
12.28
